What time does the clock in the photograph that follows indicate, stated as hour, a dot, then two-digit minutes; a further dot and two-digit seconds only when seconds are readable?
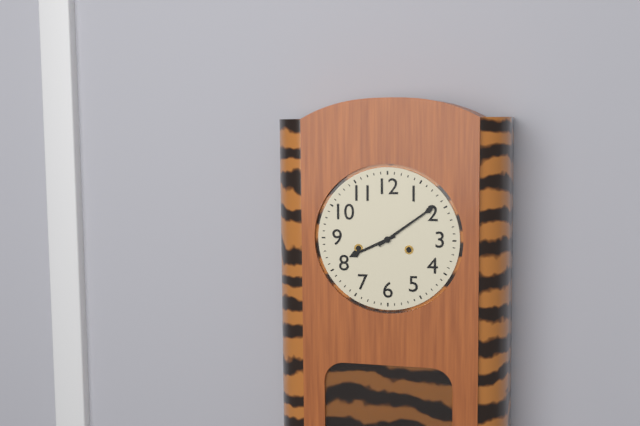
8.09
